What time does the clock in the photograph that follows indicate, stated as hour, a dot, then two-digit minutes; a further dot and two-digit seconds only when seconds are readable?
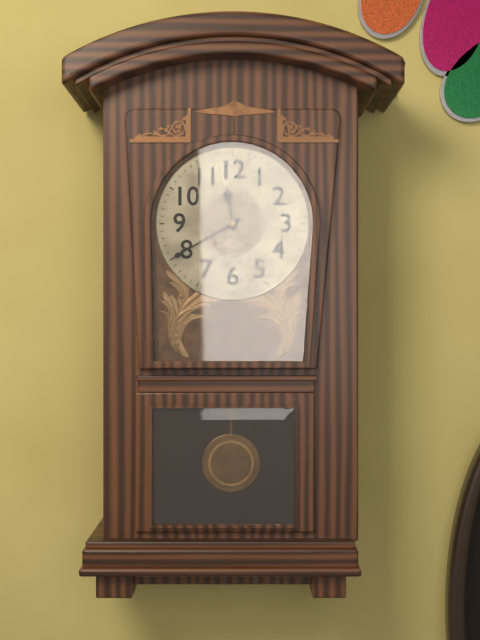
11.40
